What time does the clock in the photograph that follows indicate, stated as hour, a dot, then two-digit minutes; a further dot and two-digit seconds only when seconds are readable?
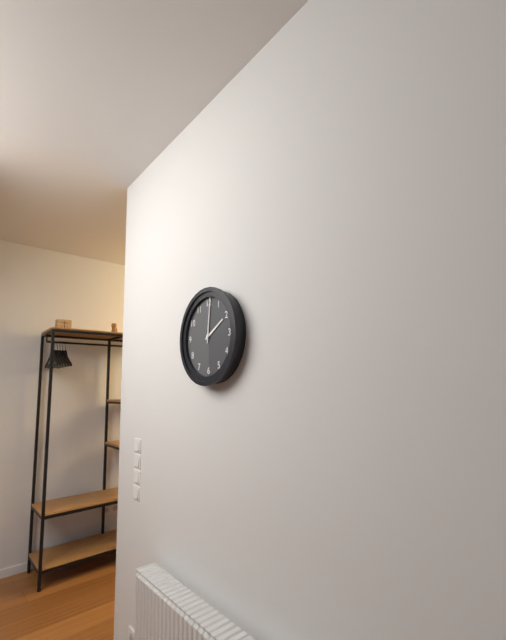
2.01
